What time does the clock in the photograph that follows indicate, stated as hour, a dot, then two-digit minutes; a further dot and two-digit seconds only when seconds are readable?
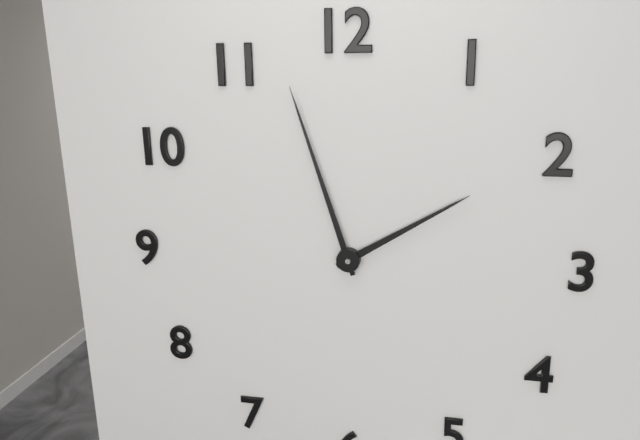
1.57
